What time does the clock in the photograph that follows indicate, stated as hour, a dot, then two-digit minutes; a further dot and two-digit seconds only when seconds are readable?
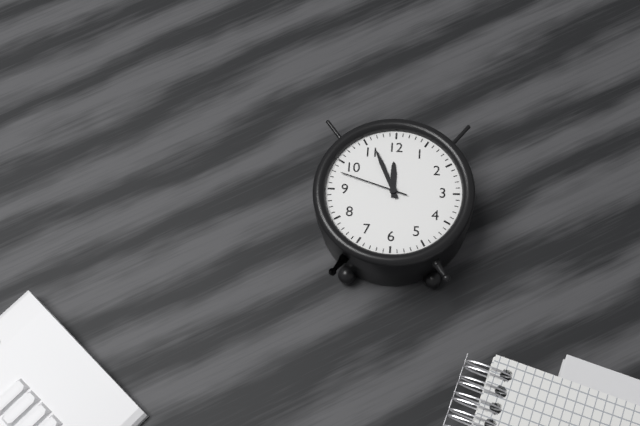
11.56.48
